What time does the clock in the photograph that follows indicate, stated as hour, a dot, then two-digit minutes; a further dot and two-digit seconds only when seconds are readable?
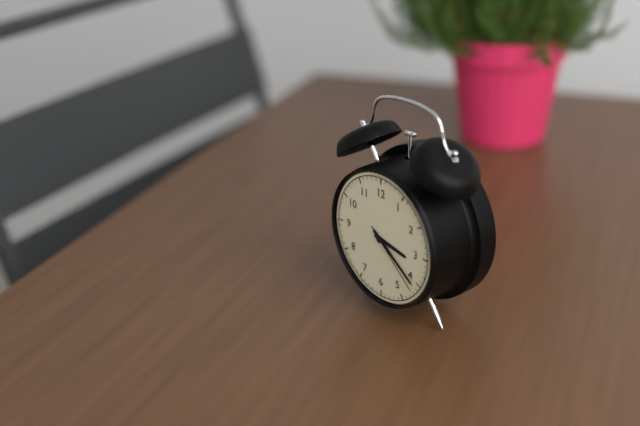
3.21.22
